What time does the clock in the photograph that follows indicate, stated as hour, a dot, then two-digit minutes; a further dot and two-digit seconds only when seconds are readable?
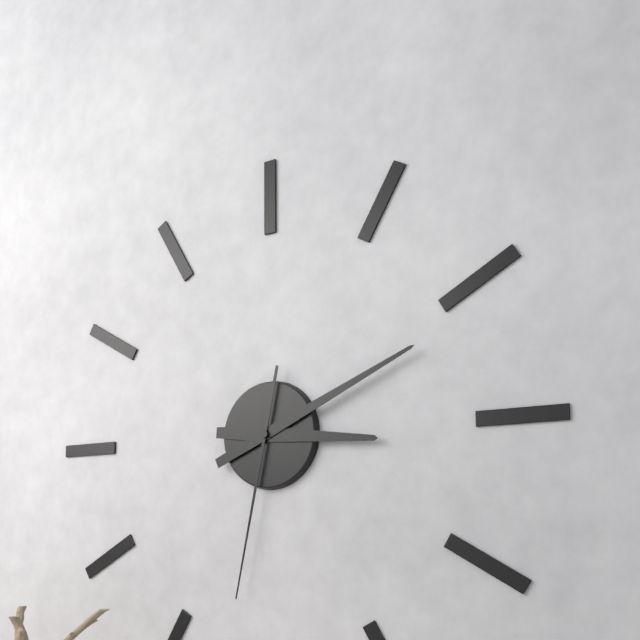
3.11.32
